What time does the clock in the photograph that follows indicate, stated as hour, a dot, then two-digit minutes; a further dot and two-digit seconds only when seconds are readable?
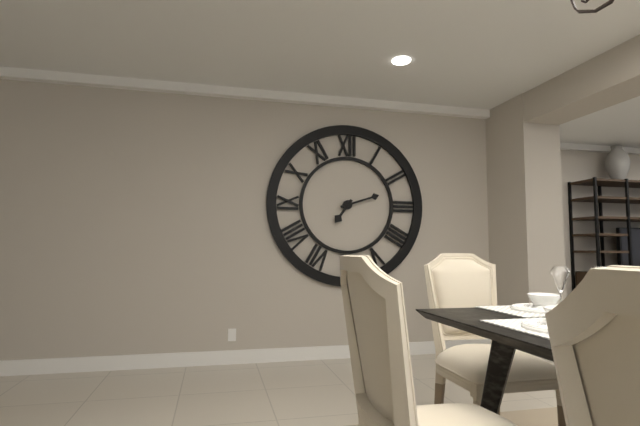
7.12
